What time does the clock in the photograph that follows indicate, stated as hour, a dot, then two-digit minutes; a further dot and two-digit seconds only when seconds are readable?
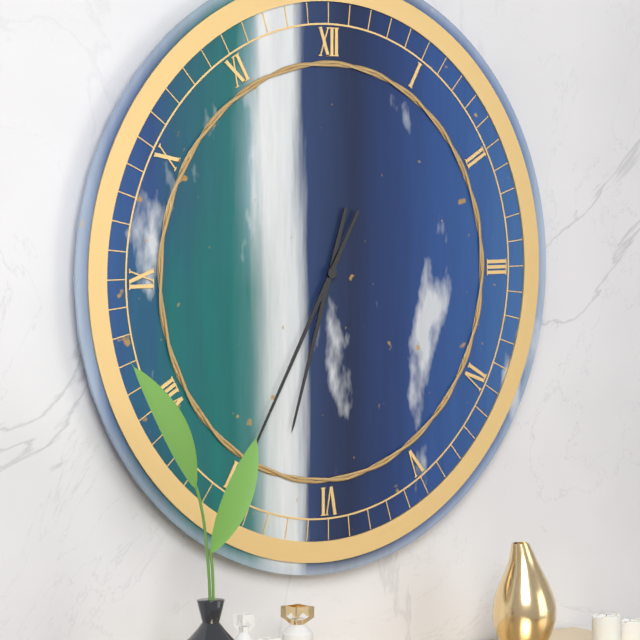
6.35
